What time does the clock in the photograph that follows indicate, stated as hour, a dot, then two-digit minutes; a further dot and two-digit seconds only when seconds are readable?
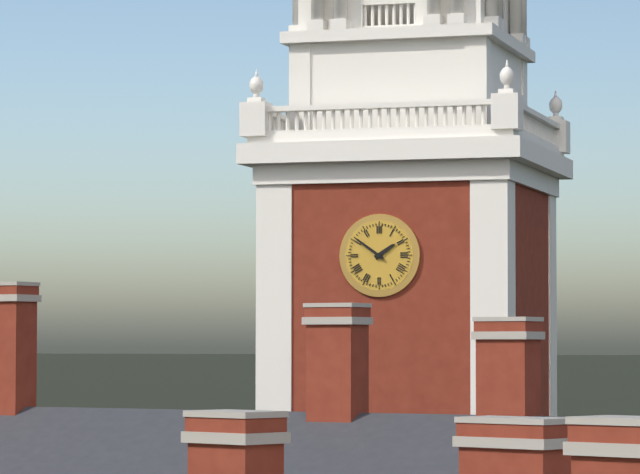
1.51
